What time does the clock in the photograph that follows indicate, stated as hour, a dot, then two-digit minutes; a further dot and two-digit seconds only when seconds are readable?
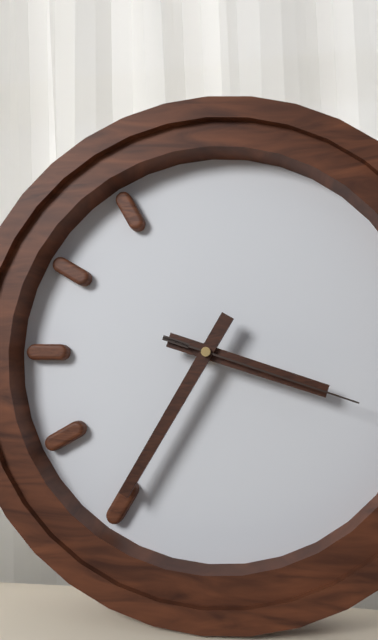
3.35.18
